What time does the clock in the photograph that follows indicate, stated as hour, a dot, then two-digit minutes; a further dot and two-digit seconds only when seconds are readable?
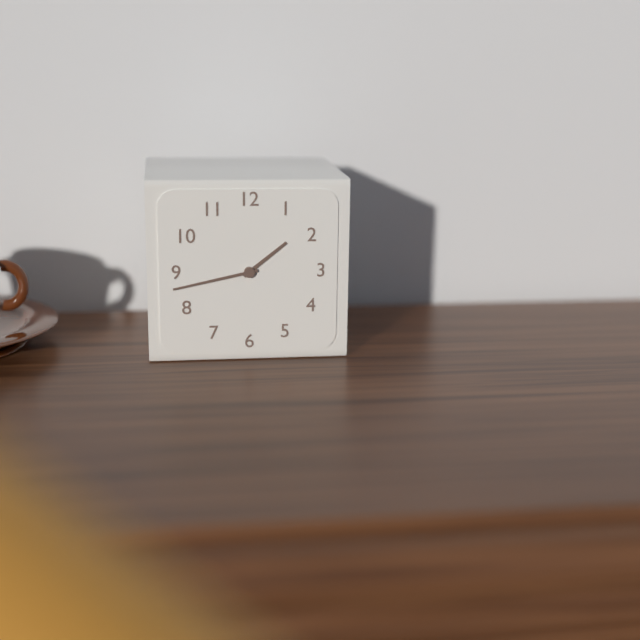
1.43
